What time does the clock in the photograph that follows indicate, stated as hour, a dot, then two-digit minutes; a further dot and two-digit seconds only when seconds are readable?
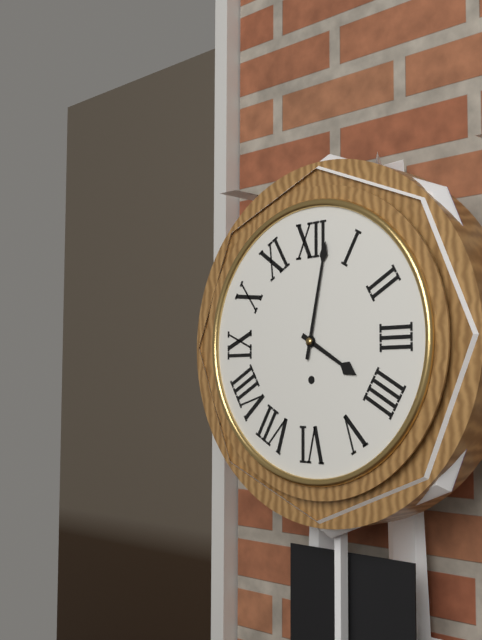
4.02
